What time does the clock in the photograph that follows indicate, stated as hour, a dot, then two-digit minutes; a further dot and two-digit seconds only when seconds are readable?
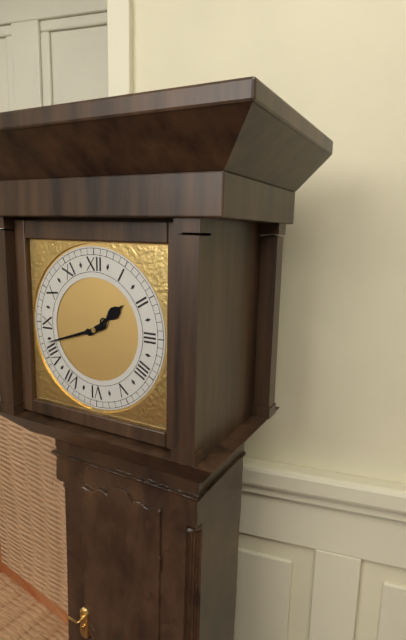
1.42
